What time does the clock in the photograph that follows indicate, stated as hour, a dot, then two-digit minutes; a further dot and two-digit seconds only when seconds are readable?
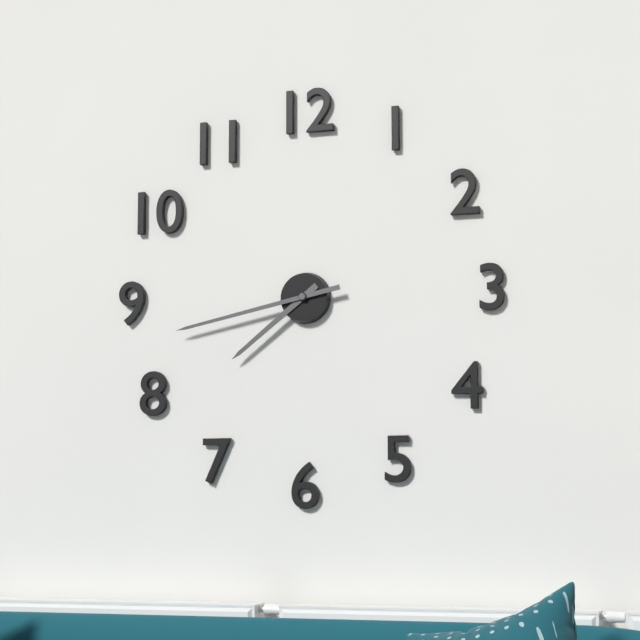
7.43
